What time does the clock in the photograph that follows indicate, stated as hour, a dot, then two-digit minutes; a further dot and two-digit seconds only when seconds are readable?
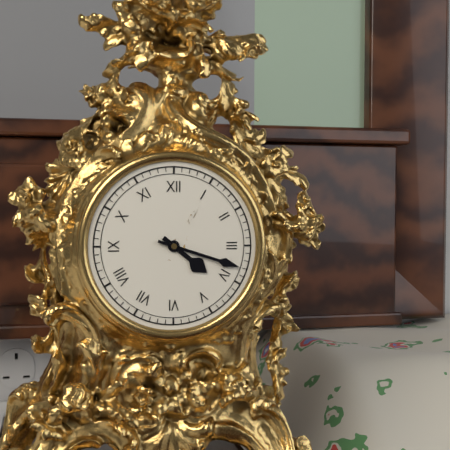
4.18
